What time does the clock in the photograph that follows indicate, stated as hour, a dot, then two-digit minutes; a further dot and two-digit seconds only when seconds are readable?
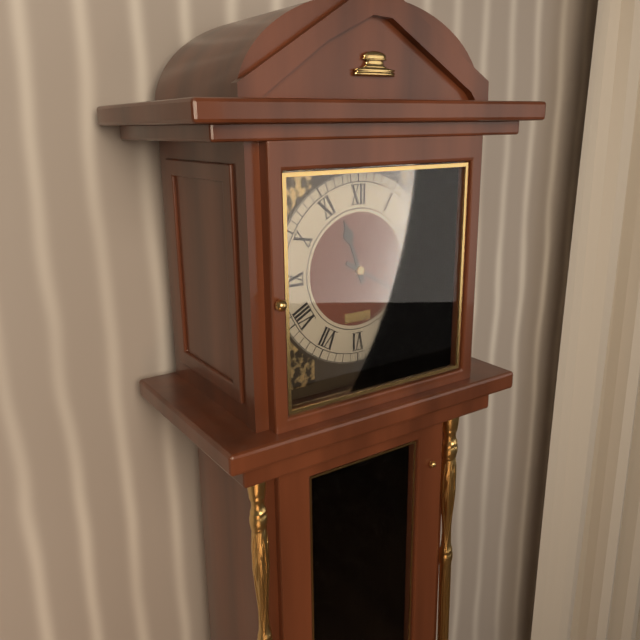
11.20
